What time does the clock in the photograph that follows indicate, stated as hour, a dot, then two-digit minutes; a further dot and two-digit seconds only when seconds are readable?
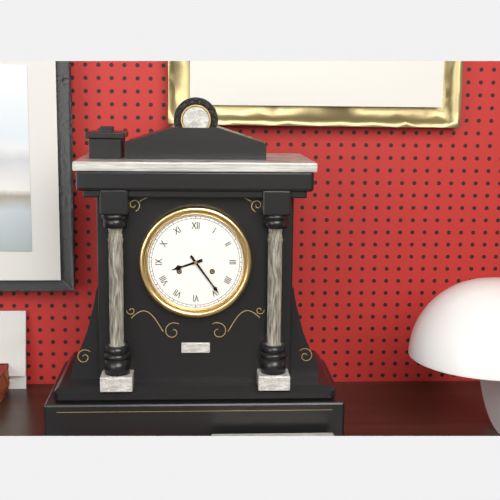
8.24
